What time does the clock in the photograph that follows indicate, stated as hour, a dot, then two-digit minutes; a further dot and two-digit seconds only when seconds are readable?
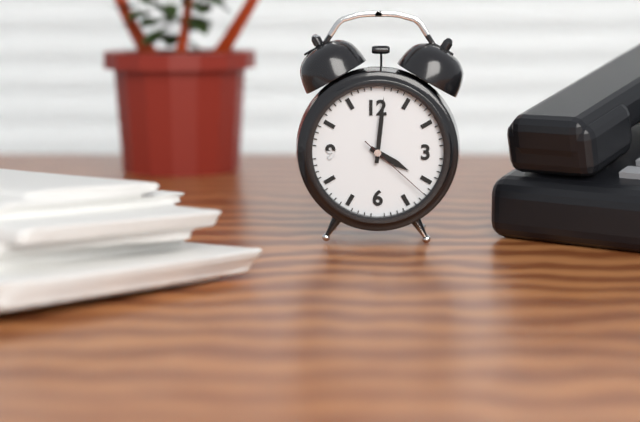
4.01.22
